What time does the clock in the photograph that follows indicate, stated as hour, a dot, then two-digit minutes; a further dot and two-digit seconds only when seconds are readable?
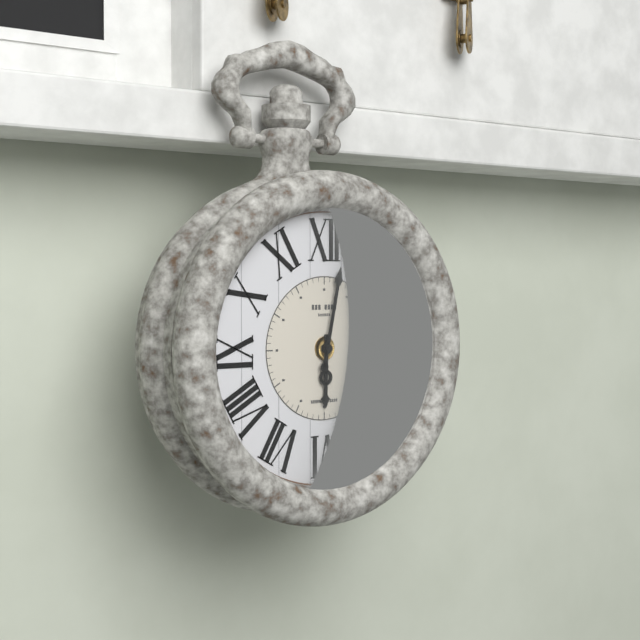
6.02
